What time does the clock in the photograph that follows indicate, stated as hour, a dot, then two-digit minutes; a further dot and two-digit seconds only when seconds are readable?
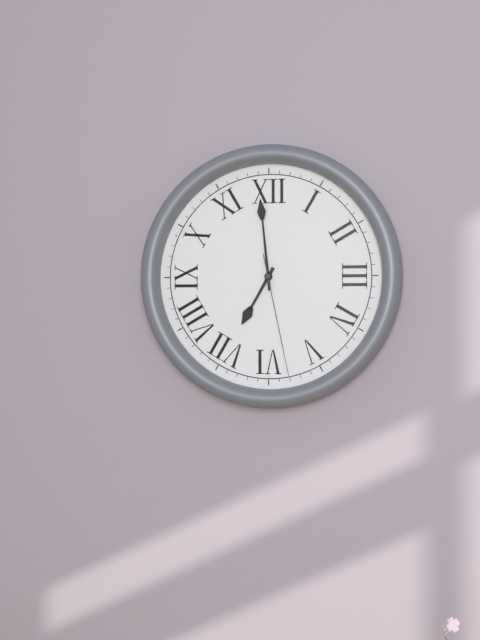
6.59.28
